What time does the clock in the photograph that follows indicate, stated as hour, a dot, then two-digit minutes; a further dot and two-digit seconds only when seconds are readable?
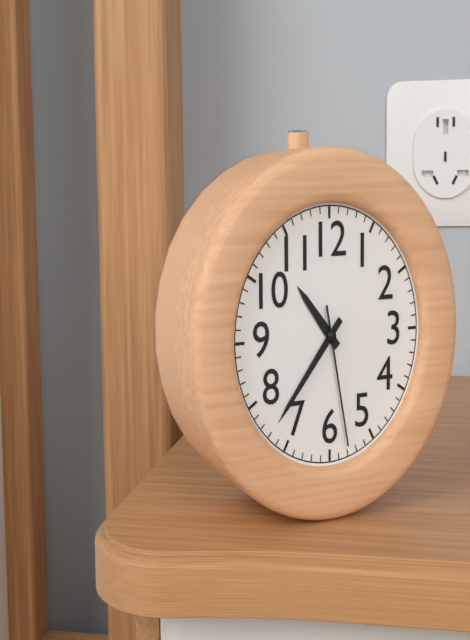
10.37.28
